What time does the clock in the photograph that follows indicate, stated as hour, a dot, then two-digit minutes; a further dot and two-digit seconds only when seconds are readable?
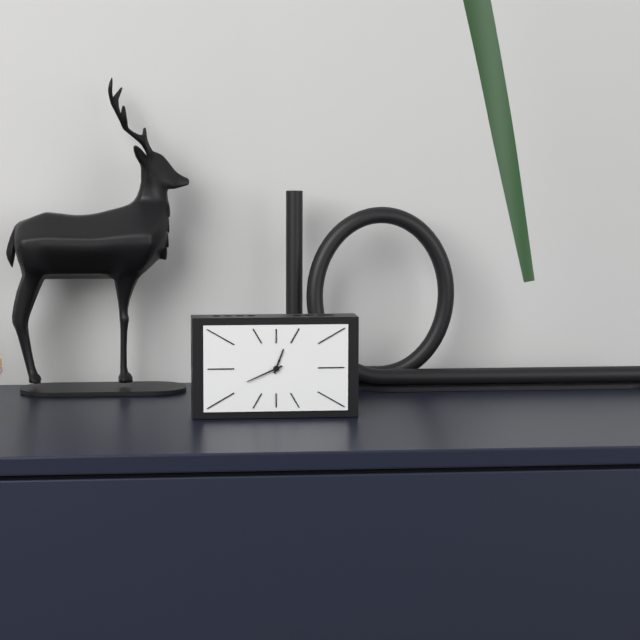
12.41
